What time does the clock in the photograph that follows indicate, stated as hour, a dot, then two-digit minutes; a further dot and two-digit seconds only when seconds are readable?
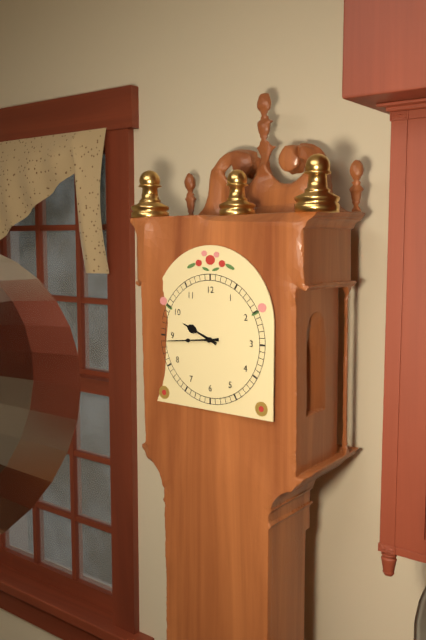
9.44
